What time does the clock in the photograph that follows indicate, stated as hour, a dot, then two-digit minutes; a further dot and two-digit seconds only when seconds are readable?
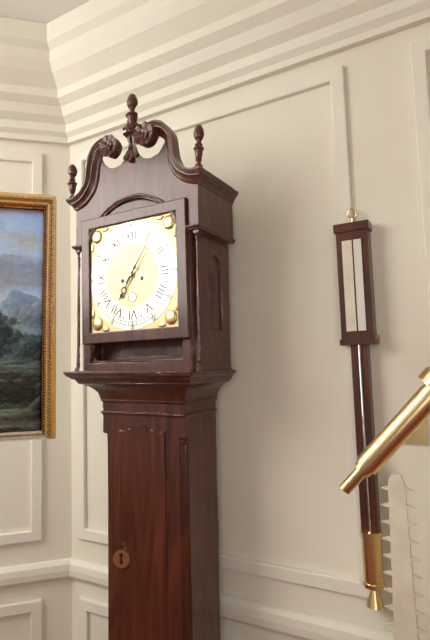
7.06
